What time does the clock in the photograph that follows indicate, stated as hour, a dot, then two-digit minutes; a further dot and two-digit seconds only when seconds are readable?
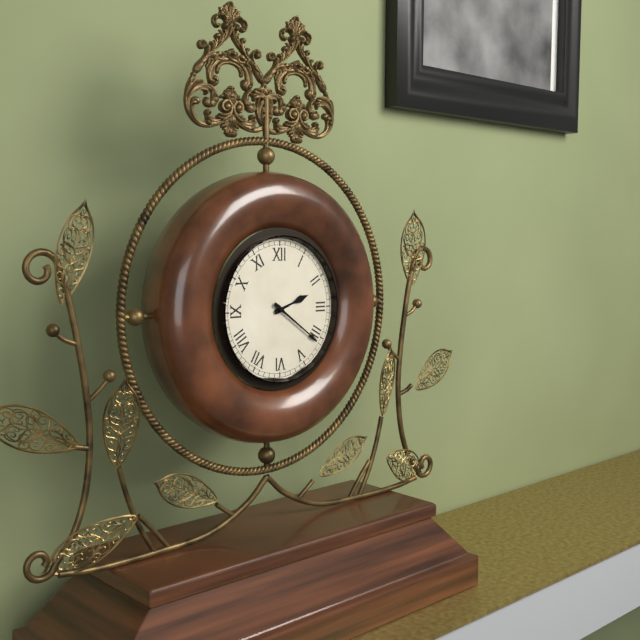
2.21
